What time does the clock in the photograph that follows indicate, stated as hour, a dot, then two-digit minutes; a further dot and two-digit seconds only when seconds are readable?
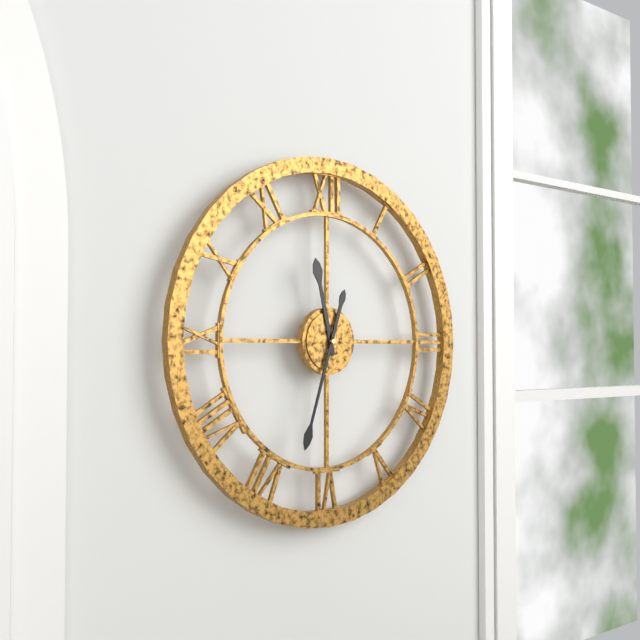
11.33
